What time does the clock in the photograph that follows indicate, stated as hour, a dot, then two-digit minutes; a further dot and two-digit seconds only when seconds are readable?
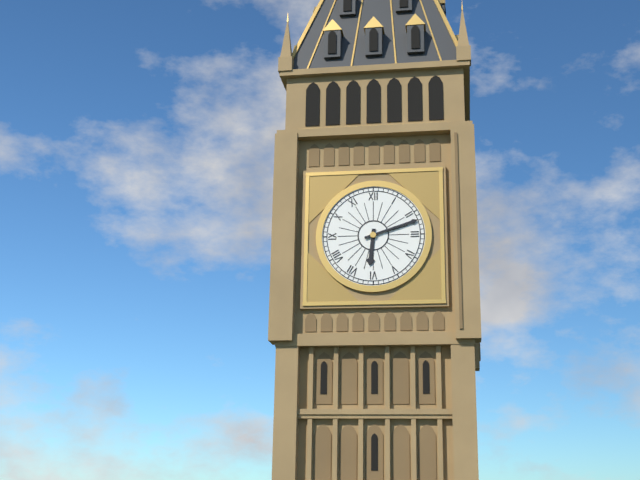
6.12
